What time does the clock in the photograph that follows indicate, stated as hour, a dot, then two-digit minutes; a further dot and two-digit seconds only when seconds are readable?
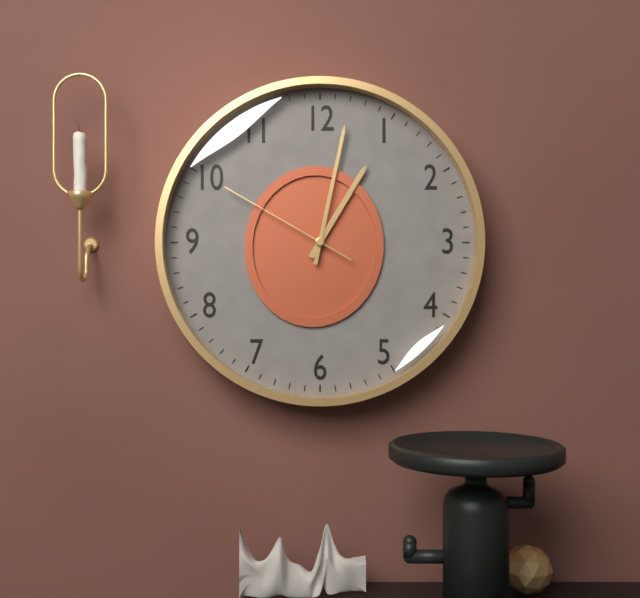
1.02.50
